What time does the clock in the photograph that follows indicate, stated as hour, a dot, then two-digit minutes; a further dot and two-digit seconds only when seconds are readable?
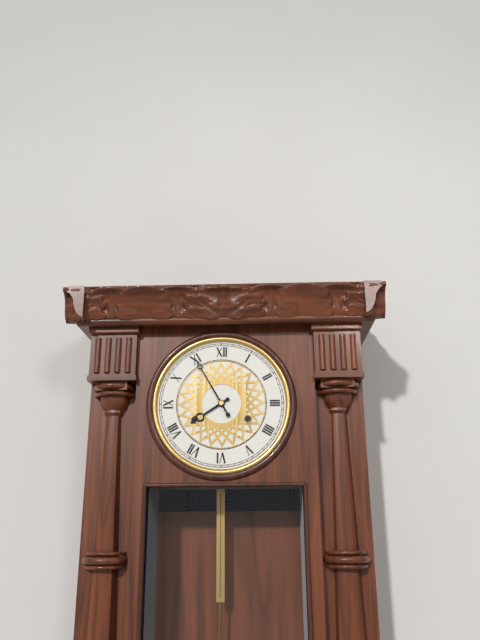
7.55
